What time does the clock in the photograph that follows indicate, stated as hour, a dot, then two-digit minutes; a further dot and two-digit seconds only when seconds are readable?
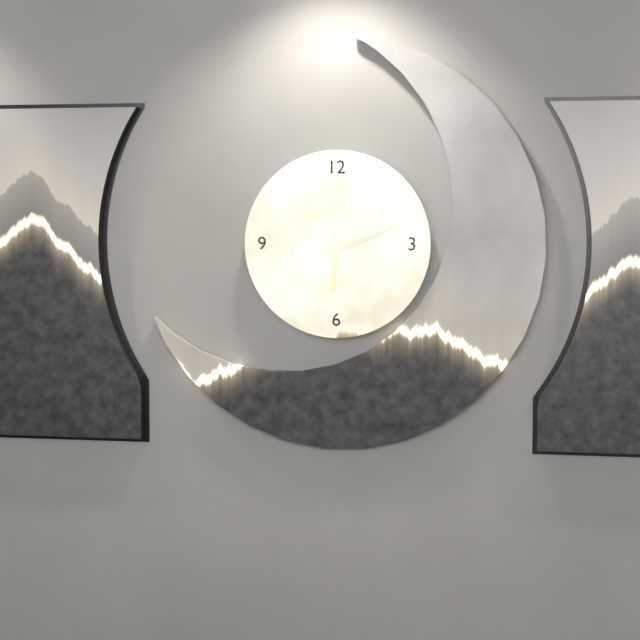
6.11
